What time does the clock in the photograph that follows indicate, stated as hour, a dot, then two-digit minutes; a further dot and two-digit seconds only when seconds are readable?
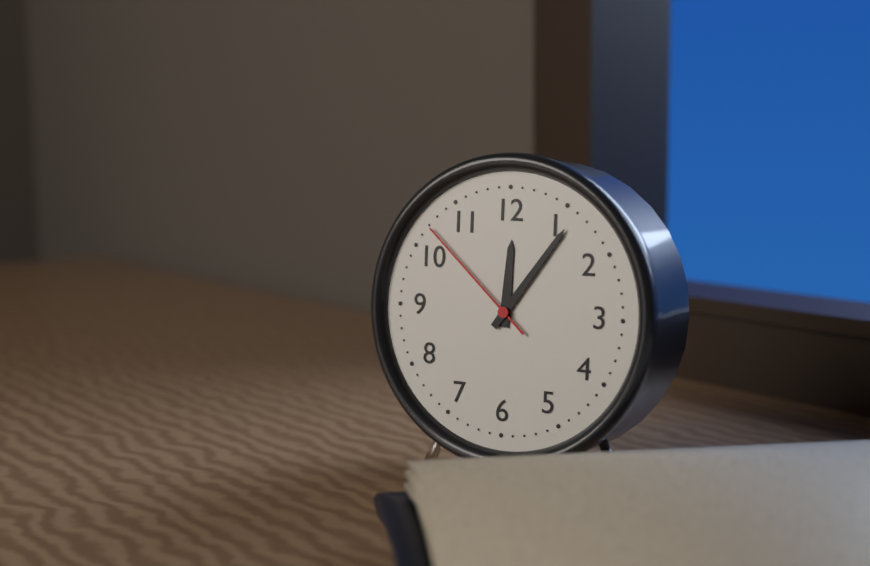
12.06.52
